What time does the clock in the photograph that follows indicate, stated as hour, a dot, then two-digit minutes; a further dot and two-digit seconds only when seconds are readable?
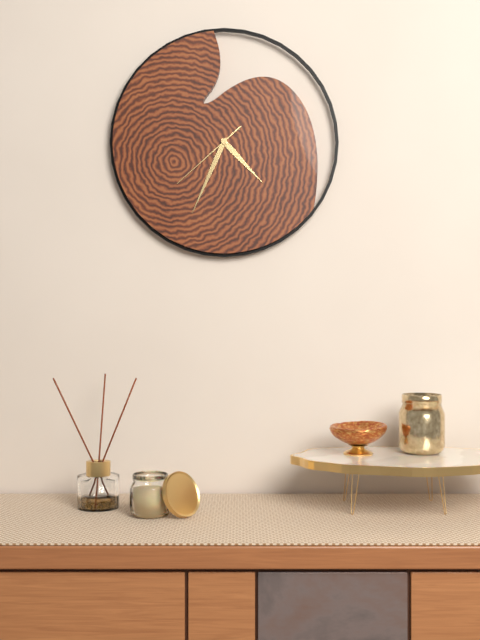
4.34.38
